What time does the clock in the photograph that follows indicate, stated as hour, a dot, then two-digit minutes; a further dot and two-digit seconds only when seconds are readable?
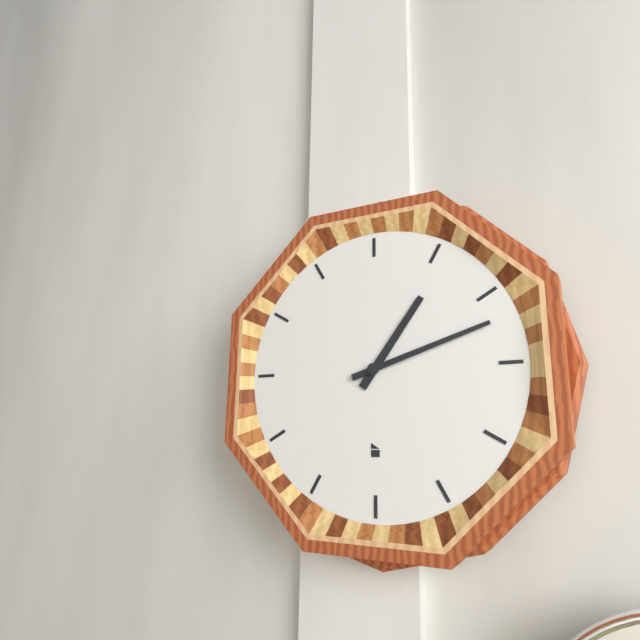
1.12
